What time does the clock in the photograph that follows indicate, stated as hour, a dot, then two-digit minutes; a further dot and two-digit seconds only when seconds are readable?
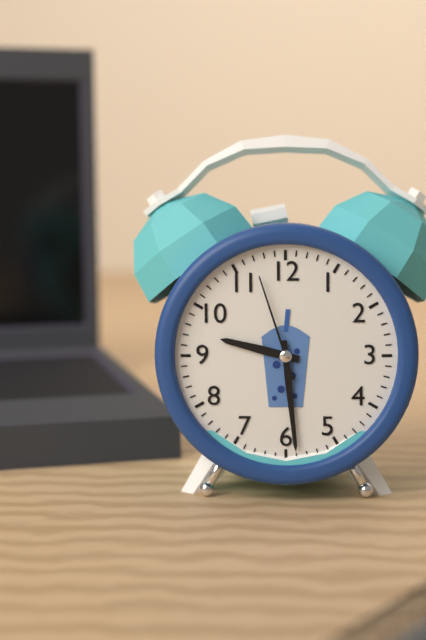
9.29.57
